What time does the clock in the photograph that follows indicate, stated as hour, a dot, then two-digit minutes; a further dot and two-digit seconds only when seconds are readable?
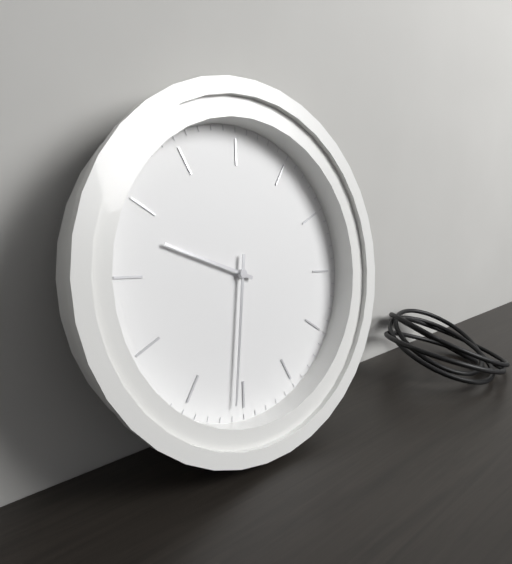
10.36
